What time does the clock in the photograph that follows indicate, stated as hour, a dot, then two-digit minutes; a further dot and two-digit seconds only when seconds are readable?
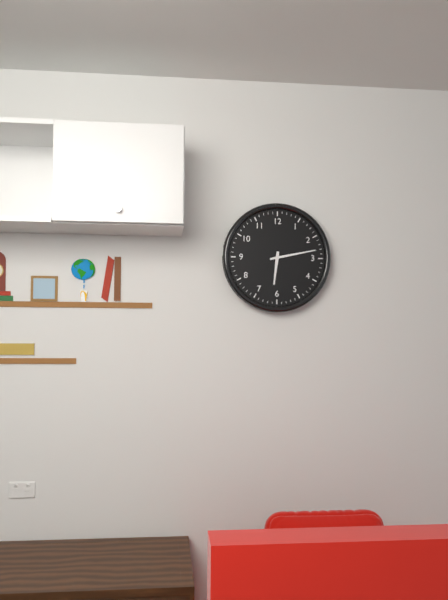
6.13
